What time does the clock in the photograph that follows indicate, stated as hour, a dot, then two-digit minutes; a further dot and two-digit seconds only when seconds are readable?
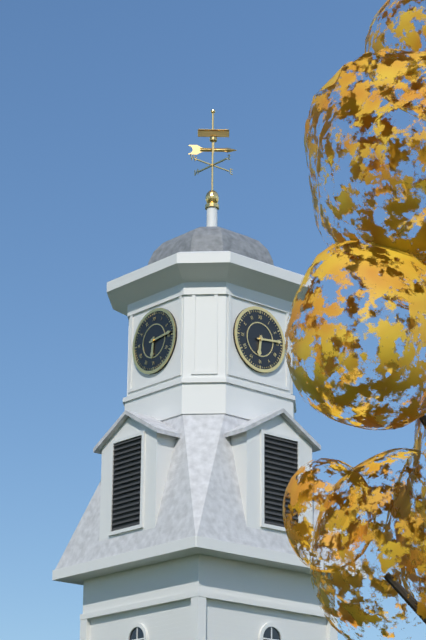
6.14
